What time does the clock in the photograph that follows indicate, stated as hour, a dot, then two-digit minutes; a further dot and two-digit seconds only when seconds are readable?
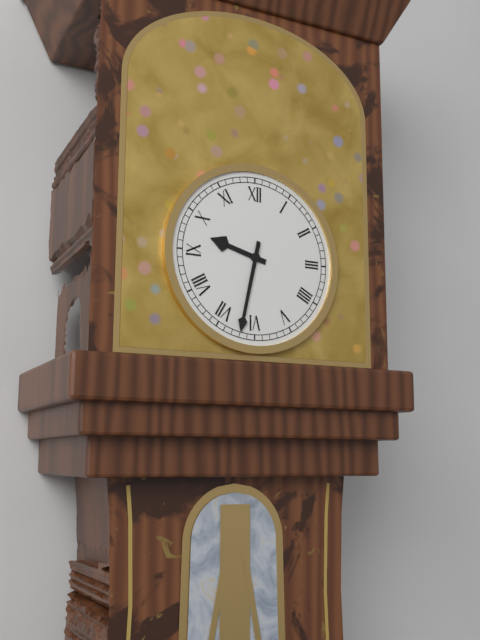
9.32
